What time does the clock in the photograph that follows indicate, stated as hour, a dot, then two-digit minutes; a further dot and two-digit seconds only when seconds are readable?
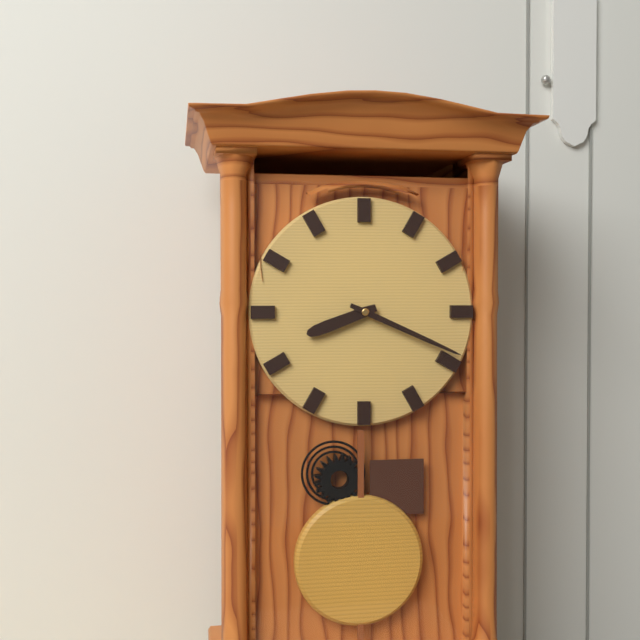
8.19
